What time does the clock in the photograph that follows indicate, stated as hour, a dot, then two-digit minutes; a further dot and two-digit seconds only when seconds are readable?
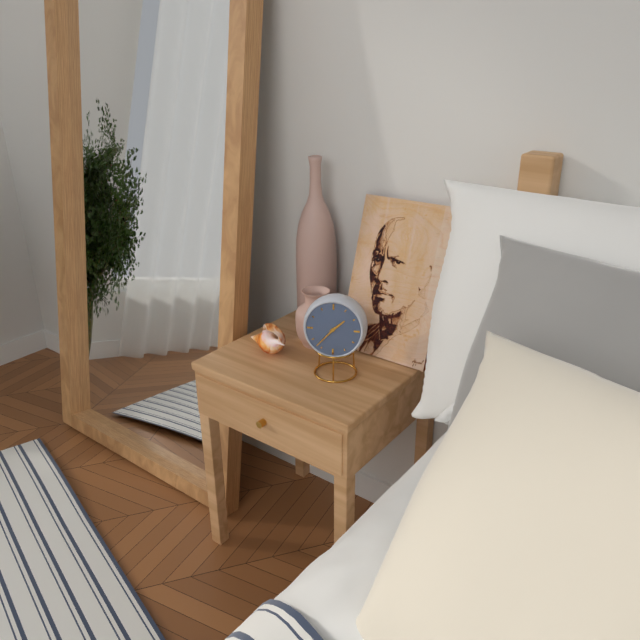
1.37
